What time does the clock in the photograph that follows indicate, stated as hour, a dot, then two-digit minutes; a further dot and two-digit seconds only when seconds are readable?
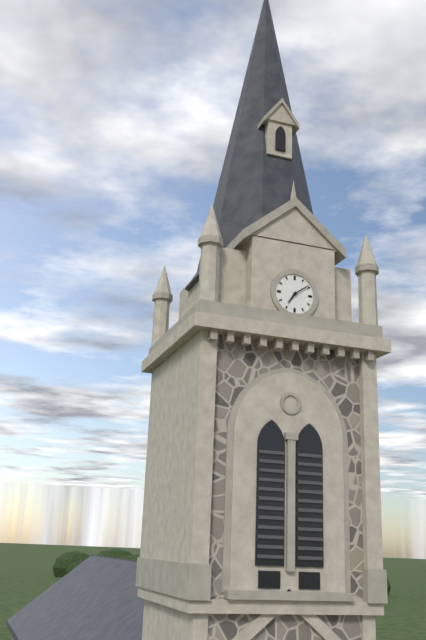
7.09
